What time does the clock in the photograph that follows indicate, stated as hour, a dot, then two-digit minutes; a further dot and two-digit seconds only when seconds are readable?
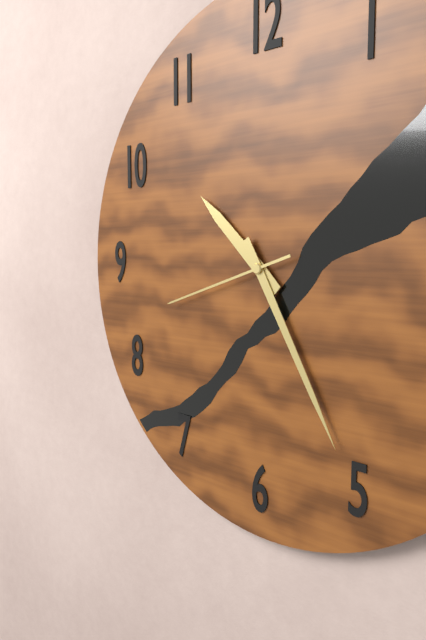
10.25.42
